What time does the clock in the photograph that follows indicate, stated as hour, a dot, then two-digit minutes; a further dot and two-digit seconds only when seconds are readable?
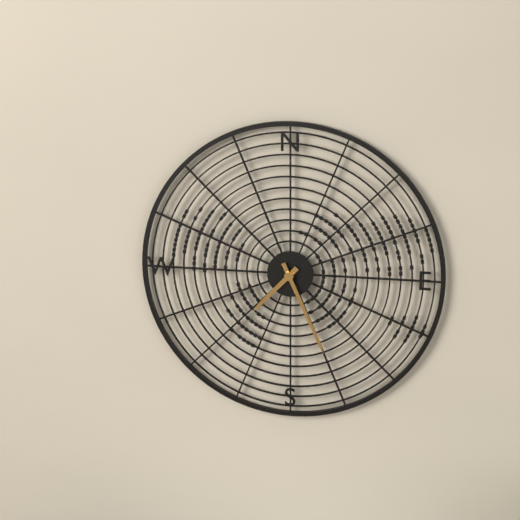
7.26
